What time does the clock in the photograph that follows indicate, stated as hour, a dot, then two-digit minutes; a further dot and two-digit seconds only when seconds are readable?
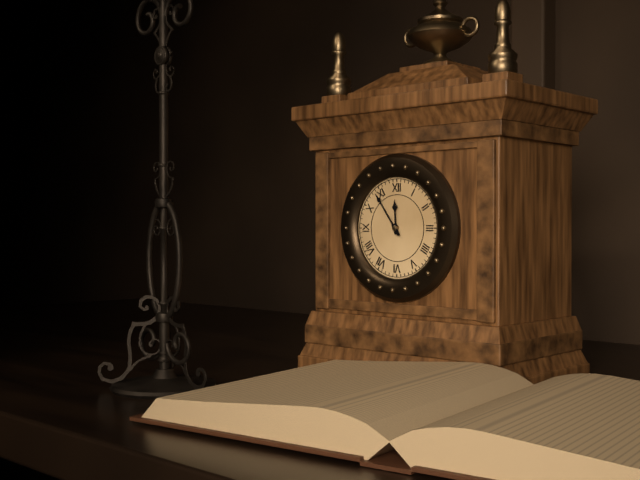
11.54
